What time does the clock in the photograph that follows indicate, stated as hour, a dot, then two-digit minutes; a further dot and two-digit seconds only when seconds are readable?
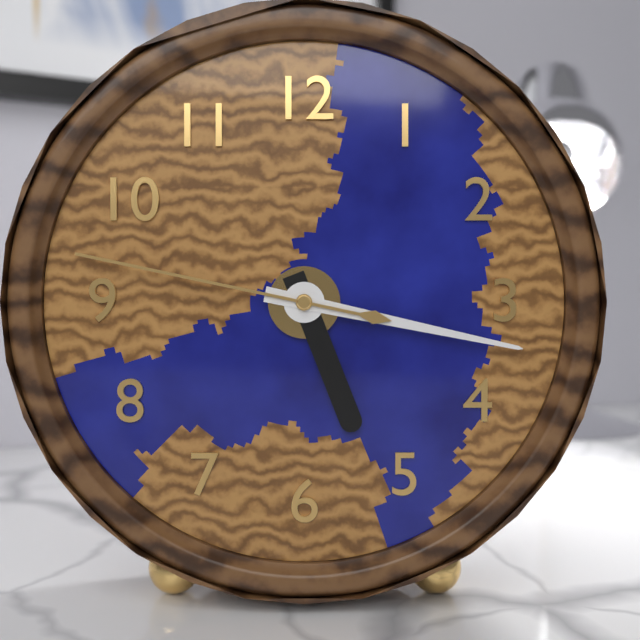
5.17.47
